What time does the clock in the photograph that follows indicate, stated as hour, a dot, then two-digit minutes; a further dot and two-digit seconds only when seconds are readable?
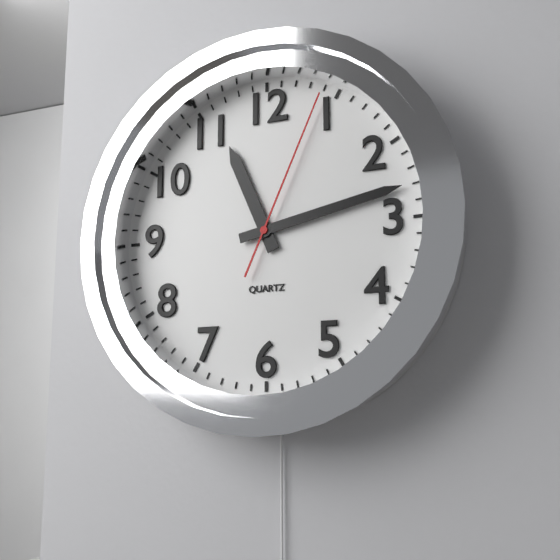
11.13.04
